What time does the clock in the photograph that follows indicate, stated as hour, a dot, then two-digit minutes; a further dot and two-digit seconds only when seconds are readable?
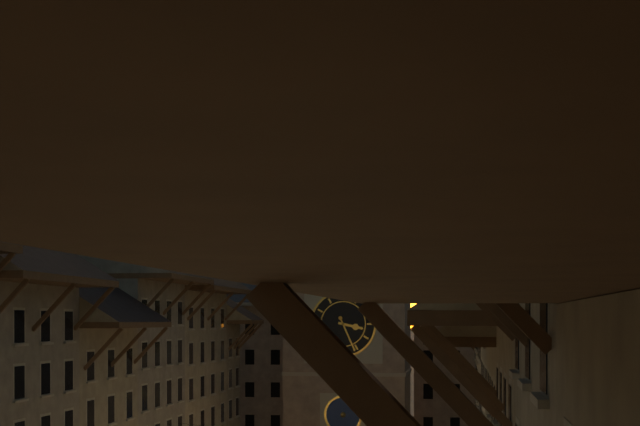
3.26
